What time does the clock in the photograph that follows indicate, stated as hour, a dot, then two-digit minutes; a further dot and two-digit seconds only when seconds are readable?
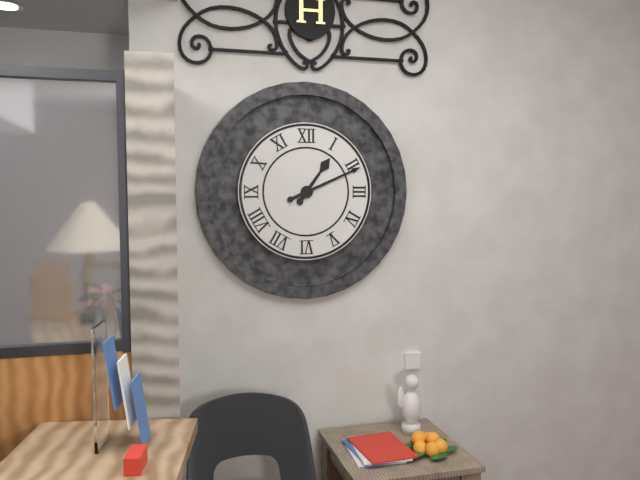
1.11
